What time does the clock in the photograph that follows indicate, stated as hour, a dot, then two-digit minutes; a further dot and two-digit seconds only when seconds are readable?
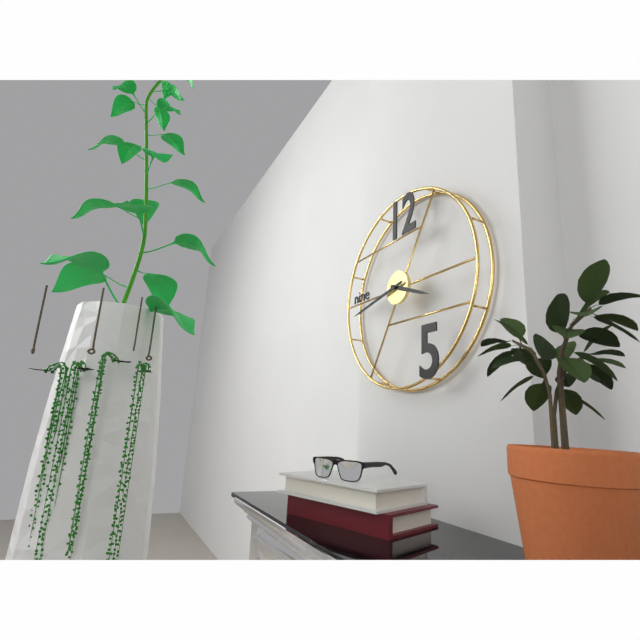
3.43
